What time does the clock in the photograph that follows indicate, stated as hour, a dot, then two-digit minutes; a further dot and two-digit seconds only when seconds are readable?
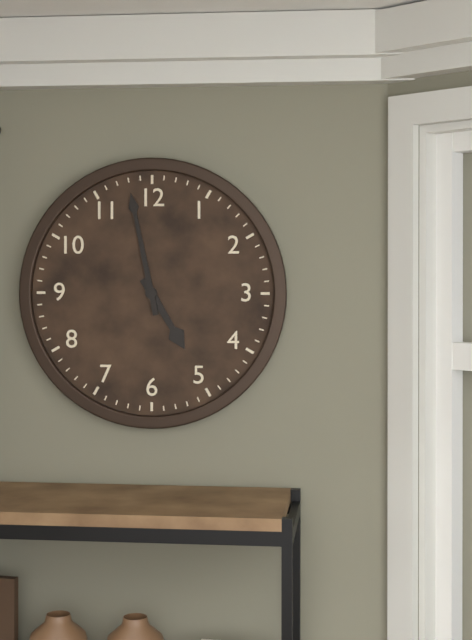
4.58
